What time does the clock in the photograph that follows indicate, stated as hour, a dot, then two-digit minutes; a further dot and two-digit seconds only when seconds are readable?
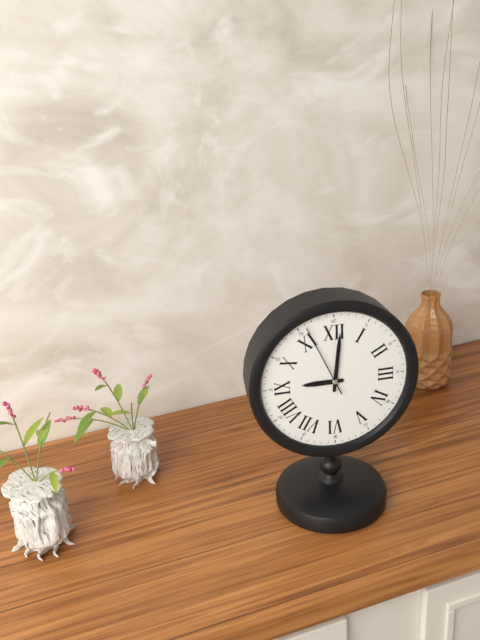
9.01.56
